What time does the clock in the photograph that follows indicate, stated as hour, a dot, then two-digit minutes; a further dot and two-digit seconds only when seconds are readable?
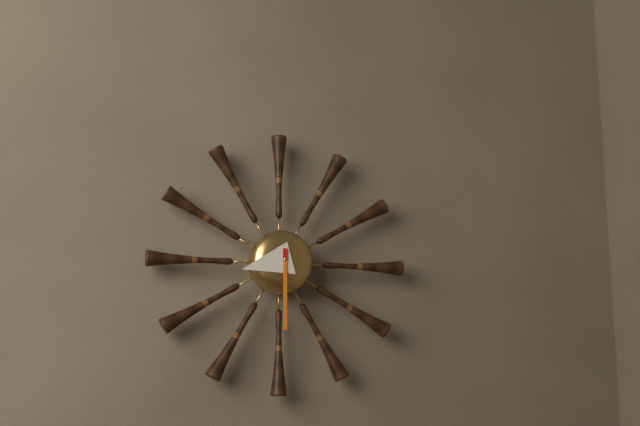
8.30
